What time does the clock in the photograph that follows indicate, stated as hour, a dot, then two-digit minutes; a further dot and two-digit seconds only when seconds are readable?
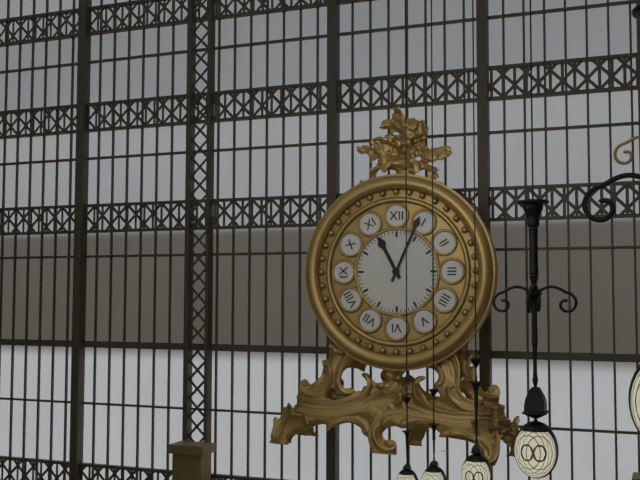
11.04
